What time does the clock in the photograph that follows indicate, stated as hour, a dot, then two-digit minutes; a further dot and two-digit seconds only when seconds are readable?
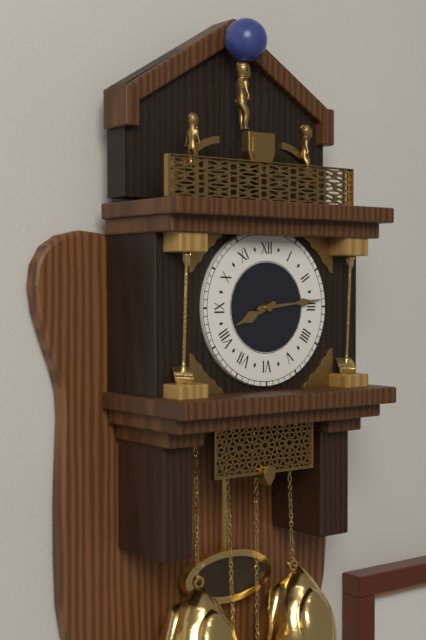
8.14
